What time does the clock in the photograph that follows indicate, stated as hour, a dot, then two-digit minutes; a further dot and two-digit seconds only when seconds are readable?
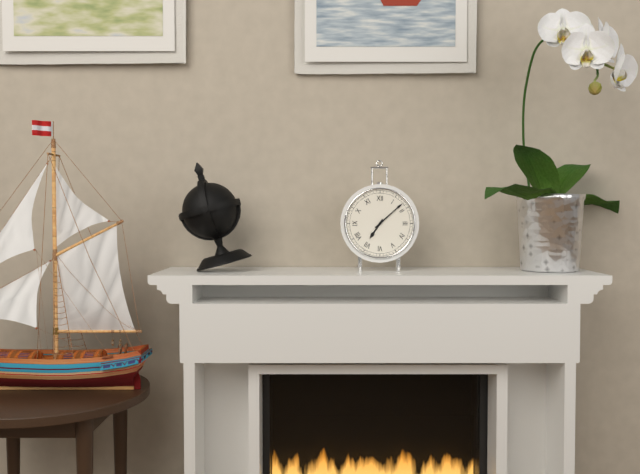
7.08
